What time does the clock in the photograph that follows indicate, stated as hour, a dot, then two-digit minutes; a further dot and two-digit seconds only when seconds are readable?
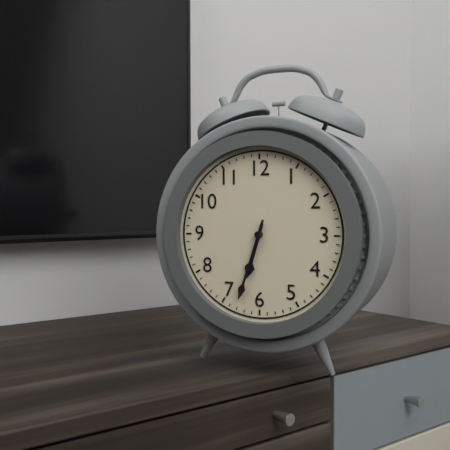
6.33
